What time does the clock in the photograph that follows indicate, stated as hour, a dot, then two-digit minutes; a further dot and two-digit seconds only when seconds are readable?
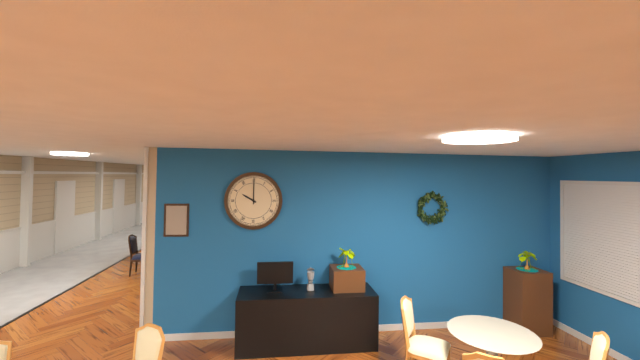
10.00
